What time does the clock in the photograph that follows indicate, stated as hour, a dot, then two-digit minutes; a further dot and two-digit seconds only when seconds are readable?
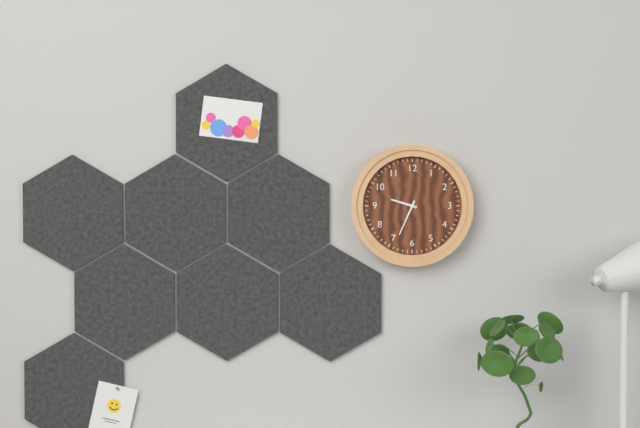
9.34
